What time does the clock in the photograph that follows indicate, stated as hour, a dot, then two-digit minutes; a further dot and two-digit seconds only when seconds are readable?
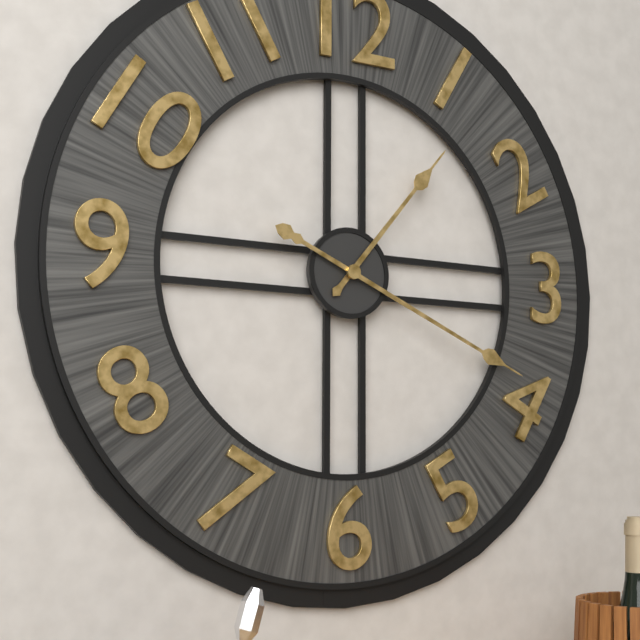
1.19
